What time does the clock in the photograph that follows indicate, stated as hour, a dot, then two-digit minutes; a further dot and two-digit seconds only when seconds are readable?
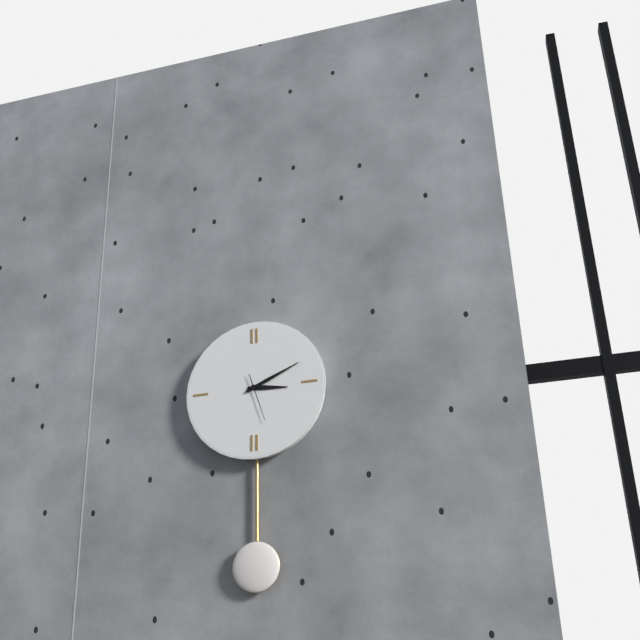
3.11
